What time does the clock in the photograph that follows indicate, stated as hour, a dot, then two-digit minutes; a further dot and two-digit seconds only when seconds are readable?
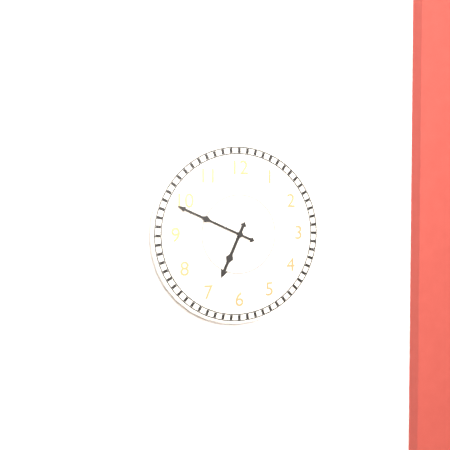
6.49
